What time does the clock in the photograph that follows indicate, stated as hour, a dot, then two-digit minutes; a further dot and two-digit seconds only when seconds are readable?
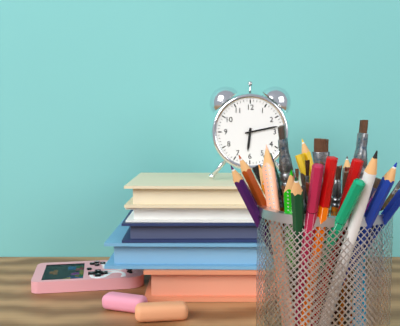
6.13
